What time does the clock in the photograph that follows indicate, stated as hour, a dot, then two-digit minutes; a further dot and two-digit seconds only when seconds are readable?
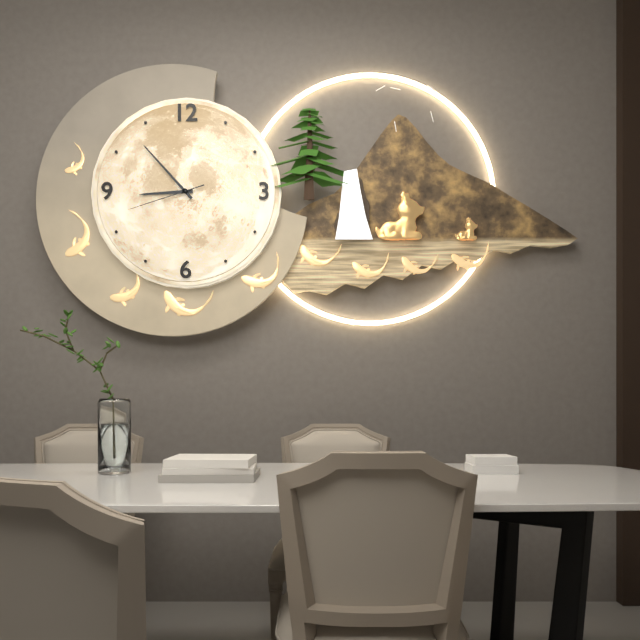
8.53.42
